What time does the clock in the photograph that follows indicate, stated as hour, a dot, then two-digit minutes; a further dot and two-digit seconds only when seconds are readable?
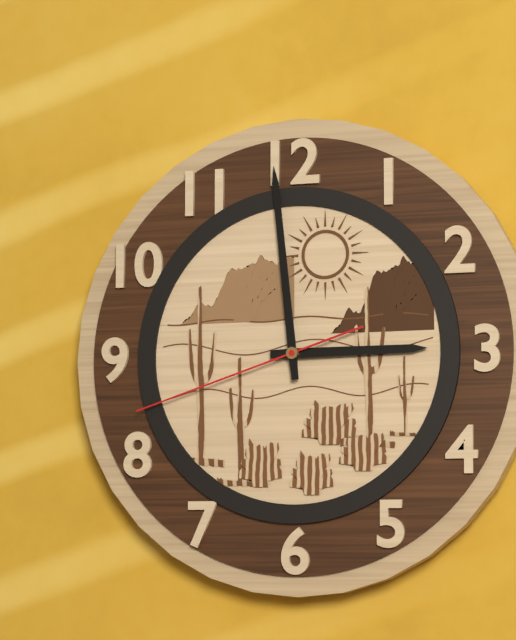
2.59.42
